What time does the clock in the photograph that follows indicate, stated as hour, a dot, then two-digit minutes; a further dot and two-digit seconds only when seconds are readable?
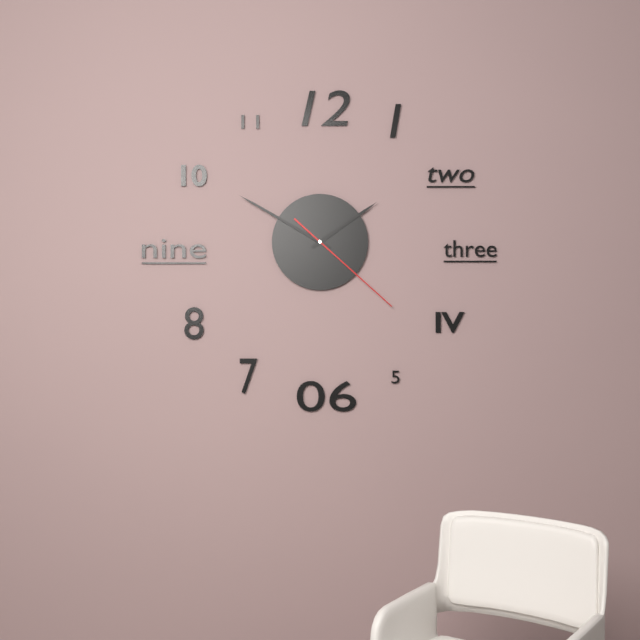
1.50.22
